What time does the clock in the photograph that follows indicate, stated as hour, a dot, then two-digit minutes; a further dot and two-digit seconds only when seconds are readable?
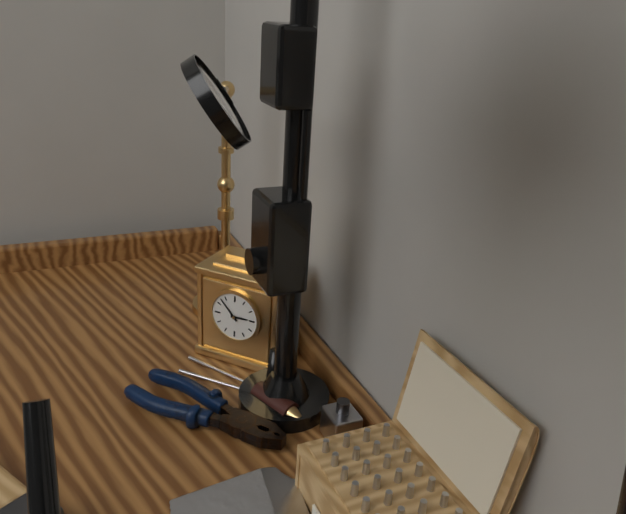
2.53
